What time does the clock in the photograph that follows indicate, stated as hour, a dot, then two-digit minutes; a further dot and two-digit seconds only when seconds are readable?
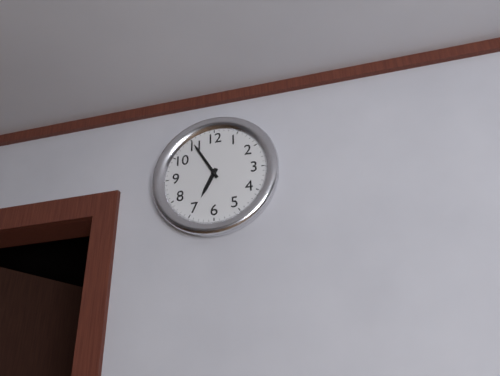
6.55
